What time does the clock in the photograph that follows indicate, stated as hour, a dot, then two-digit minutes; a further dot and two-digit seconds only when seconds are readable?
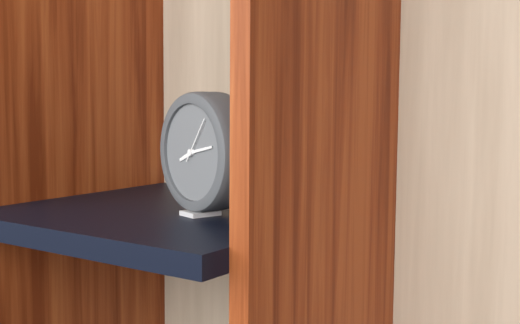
8.13
